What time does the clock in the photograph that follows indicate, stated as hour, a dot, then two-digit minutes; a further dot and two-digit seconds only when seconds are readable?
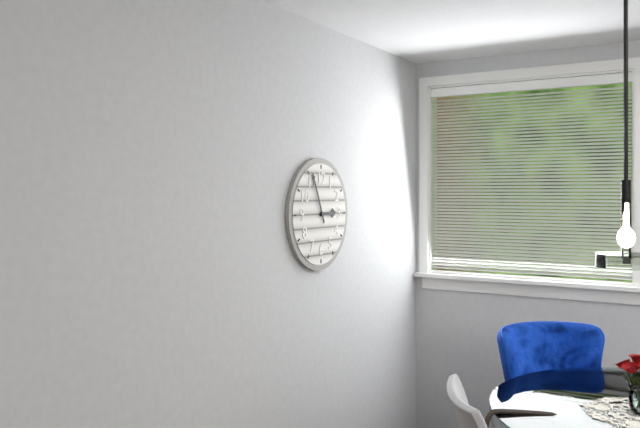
2.56
